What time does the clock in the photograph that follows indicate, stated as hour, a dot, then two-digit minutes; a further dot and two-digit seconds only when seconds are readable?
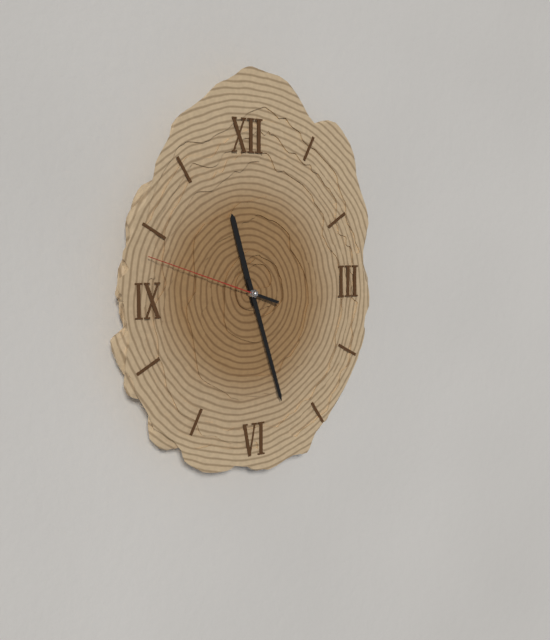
11.27.48
